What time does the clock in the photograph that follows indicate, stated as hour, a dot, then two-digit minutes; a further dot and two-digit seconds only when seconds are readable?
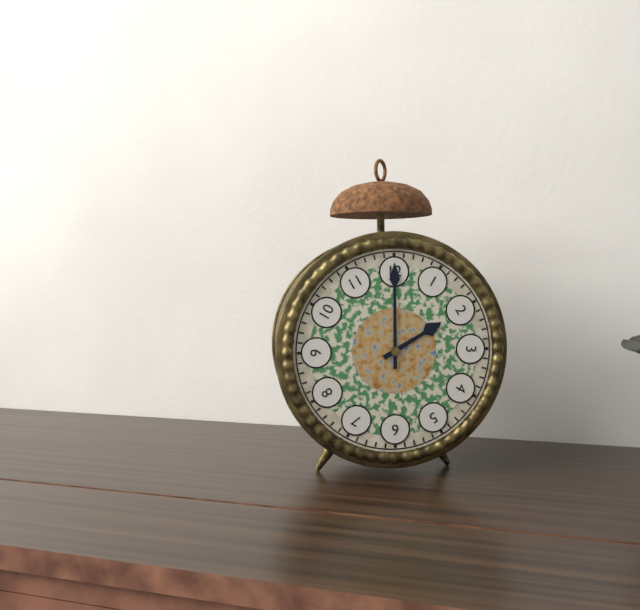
2.00
